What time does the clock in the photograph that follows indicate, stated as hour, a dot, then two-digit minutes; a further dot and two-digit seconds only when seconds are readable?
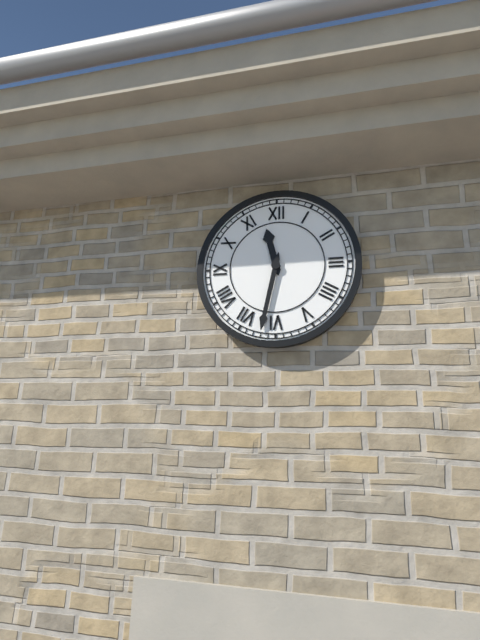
11.32
